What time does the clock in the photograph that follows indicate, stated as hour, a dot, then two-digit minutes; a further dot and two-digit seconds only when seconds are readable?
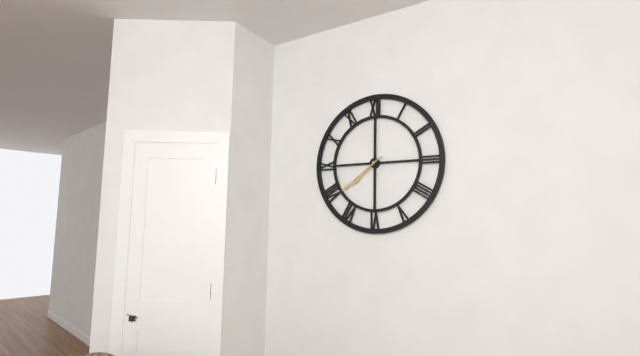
7.39
